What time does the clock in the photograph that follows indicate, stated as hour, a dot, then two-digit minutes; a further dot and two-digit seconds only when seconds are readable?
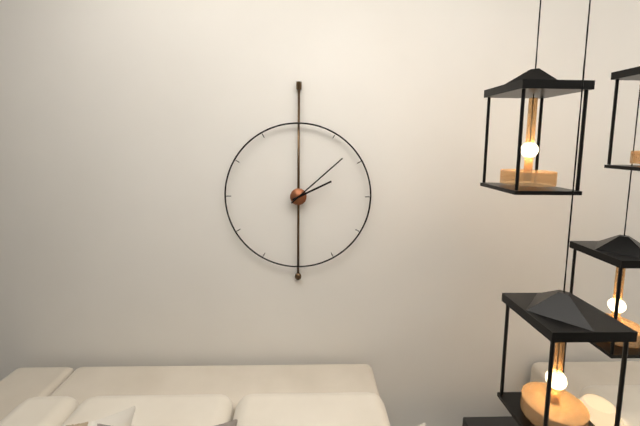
2.08
